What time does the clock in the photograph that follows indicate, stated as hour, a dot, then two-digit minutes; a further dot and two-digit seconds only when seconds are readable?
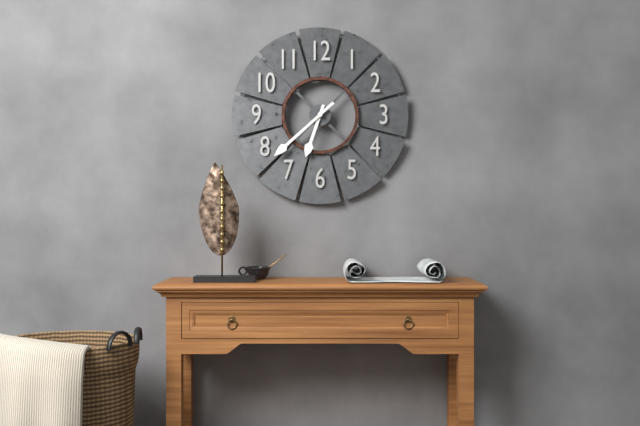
6.38
